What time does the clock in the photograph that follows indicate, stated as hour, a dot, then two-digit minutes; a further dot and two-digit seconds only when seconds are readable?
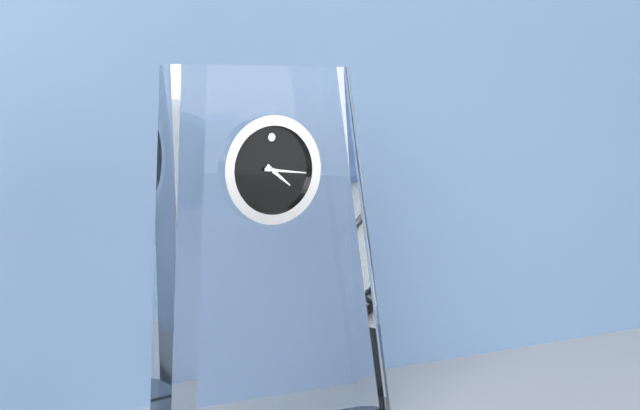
4.16
